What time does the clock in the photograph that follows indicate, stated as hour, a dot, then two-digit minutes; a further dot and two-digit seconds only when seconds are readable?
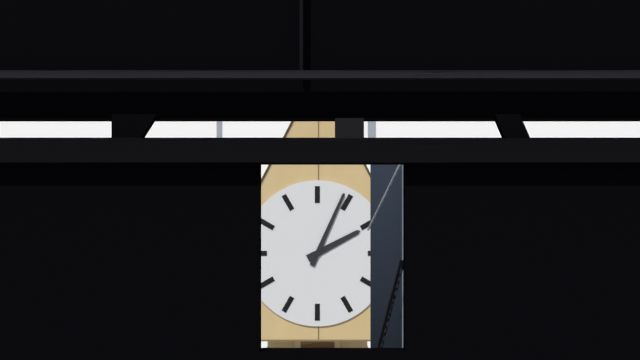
2.04
